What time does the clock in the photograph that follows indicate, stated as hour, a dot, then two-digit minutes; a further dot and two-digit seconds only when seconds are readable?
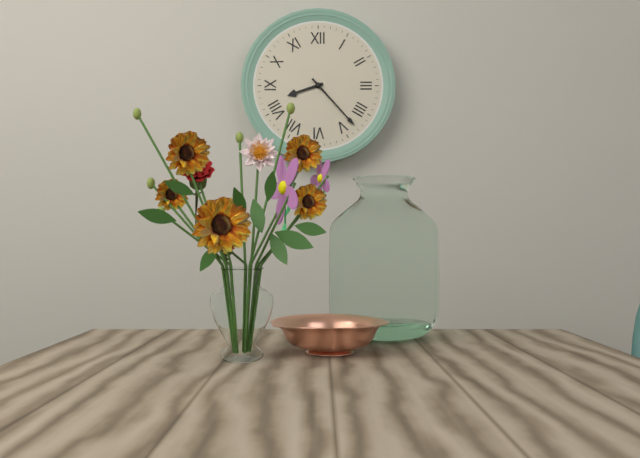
8.23
